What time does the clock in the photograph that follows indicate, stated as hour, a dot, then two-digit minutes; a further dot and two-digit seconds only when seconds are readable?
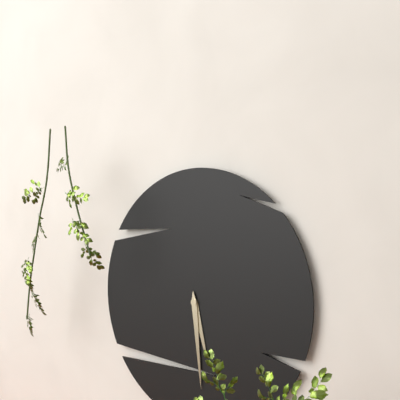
5.29
